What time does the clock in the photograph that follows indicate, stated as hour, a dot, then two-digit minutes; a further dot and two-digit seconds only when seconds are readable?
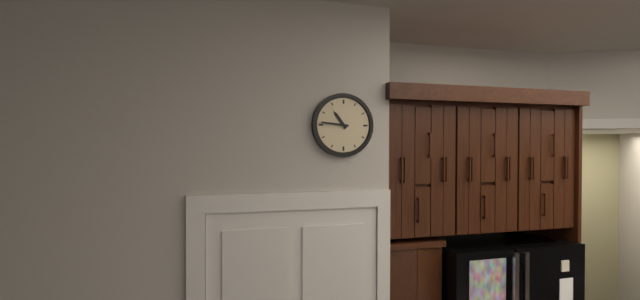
10.46
